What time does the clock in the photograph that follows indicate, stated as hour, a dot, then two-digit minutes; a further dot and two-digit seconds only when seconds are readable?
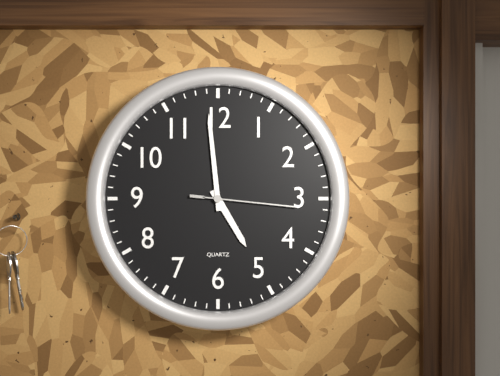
4.59.16
